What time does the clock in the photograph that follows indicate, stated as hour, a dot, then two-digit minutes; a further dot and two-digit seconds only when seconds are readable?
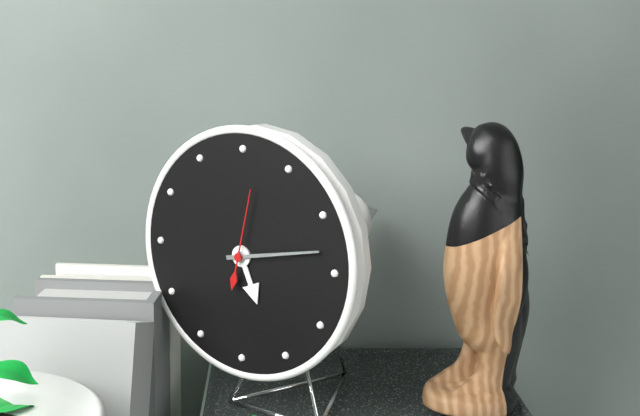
5.13.02
